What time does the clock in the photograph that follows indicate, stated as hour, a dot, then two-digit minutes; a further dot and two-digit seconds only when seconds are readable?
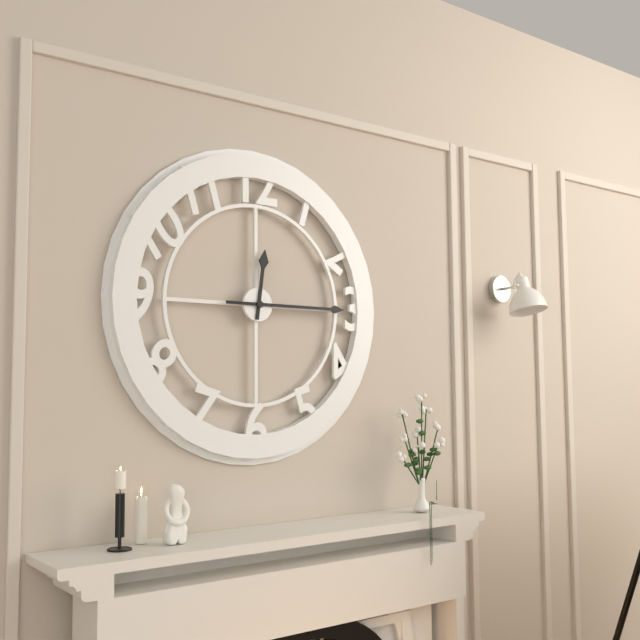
12.15
